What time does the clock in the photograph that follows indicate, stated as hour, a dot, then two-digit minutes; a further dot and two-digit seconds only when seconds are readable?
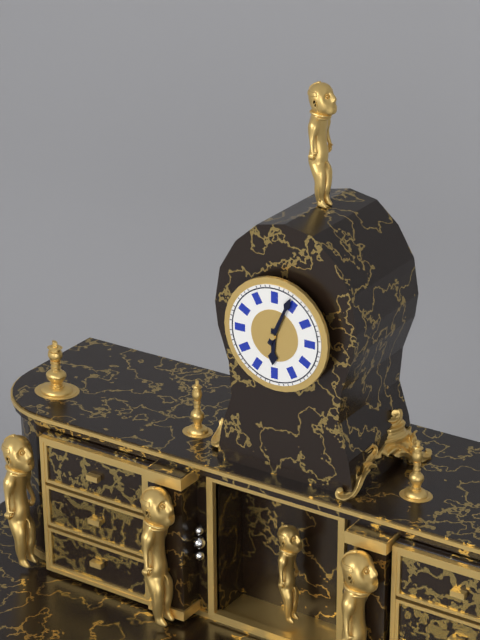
6.04
